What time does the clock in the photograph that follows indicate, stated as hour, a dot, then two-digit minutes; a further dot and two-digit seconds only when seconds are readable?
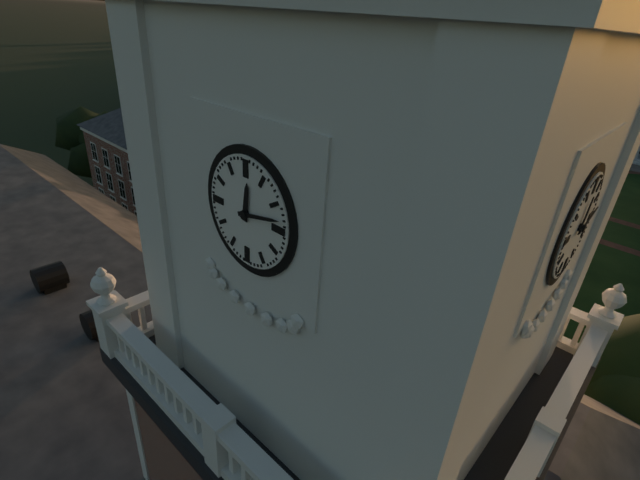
12.13
